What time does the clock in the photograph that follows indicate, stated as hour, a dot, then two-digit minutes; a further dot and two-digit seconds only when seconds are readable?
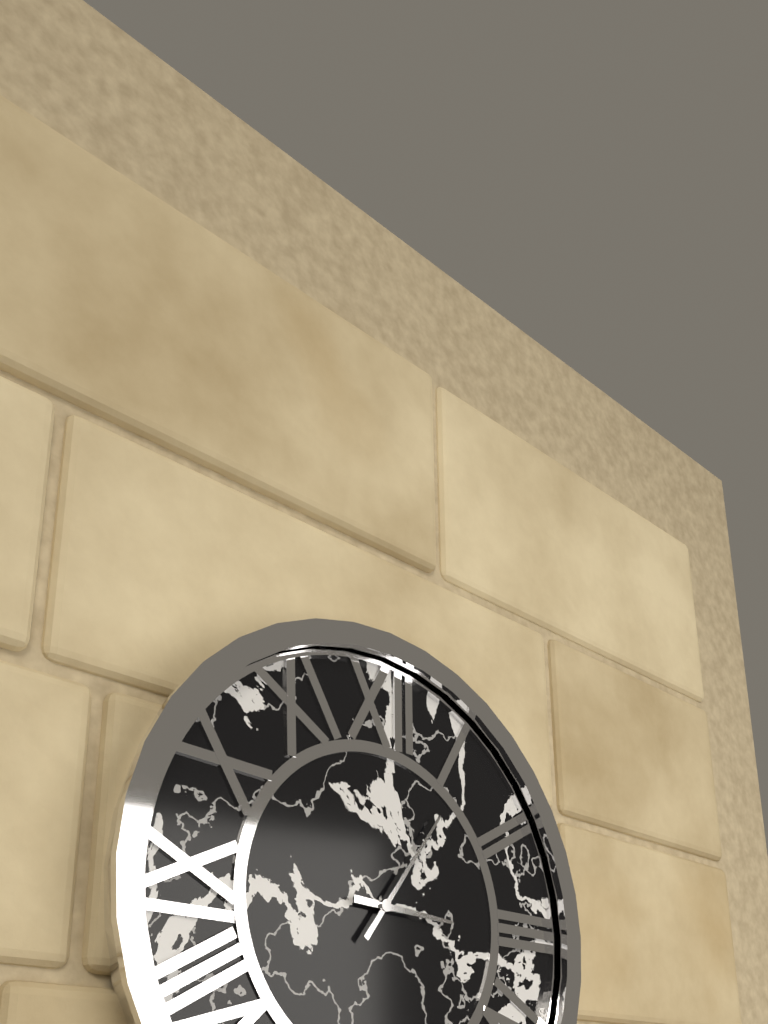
3.06
